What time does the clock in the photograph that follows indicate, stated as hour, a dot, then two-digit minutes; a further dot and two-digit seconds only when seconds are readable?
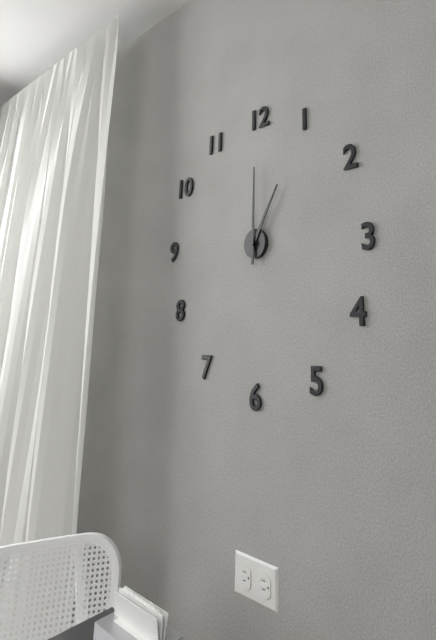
1.00
